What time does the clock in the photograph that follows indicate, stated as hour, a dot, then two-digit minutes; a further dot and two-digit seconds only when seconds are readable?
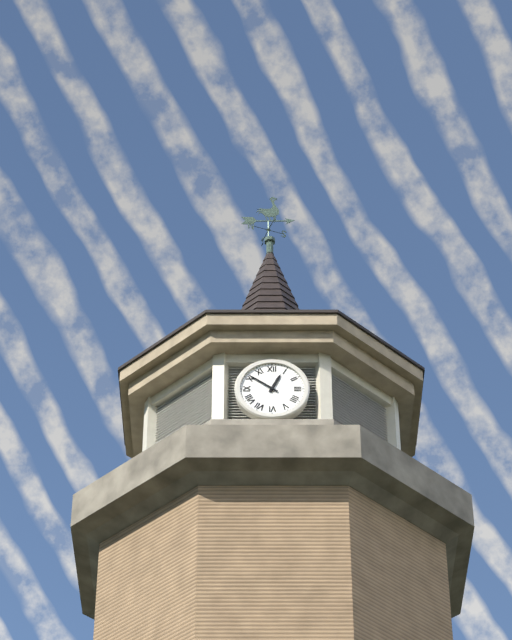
12.51
